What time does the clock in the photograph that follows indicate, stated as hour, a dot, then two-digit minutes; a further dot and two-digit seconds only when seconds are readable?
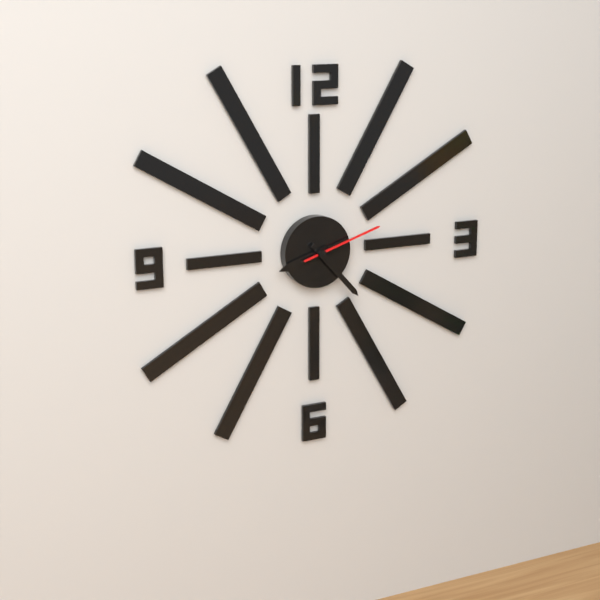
8.23.12
